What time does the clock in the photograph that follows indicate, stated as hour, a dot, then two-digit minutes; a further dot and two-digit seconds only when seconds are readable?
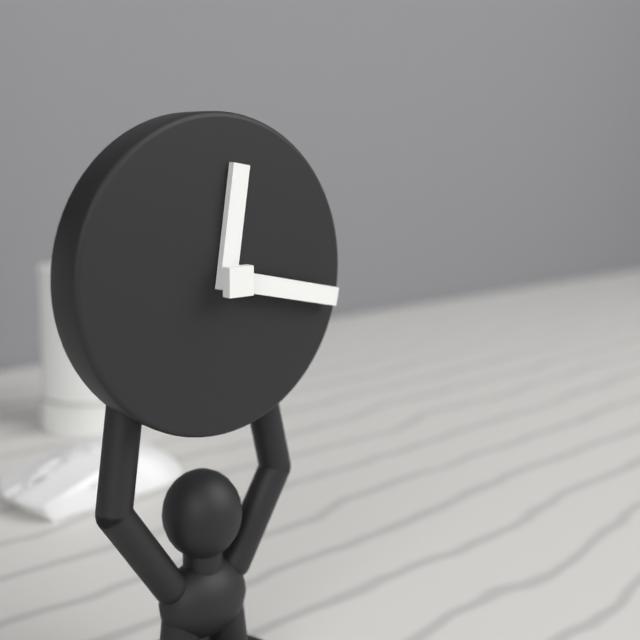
12.17
